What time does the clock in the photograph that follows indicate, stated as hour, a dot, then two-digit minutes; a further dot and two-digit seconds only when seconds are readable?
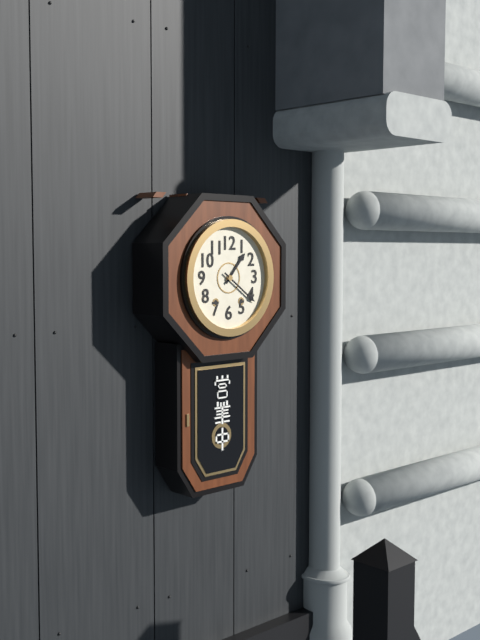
1.21
